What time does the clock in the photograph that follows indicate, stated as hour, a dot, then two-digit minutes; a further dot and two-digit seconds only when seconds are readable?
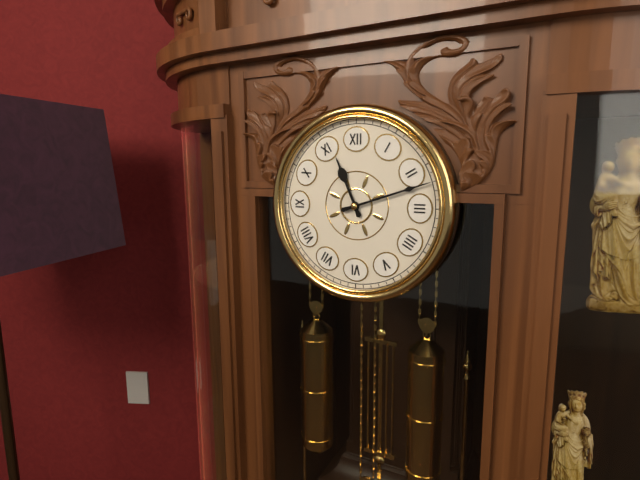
11.12
